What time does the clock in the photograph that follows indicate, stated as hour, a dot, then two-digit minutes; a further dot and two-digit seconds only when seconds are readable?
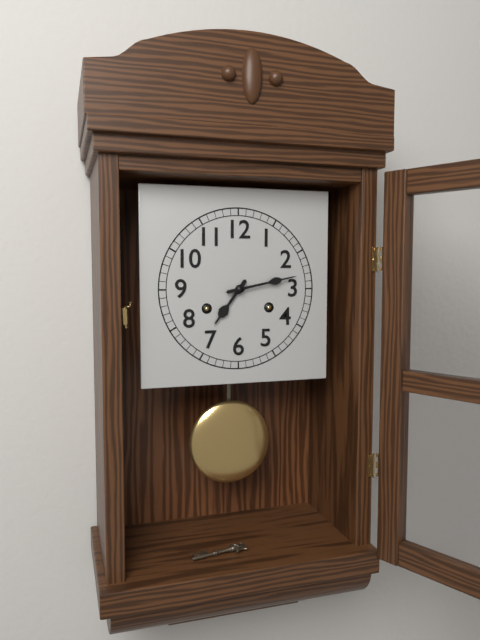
7.13
